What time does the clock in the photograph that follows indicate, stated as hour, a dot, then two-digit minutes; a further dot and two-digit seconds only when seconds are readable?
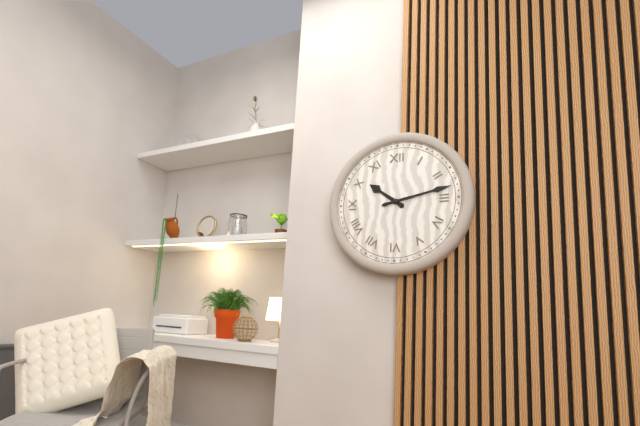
10.13
